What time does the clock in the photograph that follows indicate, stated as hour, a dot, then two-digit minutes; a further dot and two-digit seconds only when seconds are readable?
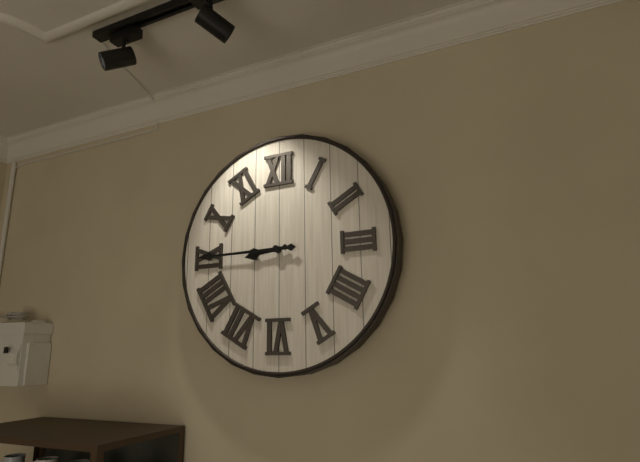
8.45
